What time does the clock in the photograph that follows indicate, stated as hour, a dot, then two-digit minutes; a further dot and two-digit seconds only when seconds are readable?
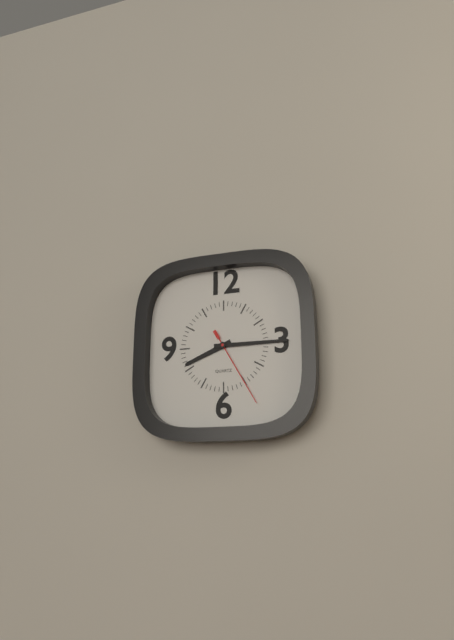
8.15.25
